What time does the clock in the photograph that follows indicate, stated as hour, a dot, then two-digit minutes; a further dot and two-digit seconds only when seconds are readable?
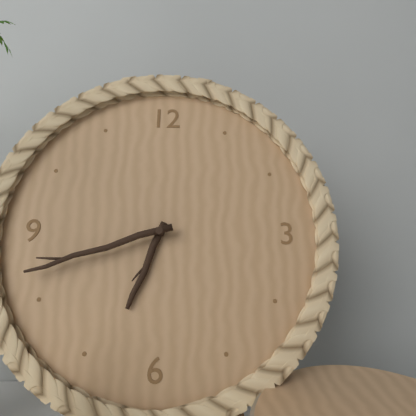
6.42
